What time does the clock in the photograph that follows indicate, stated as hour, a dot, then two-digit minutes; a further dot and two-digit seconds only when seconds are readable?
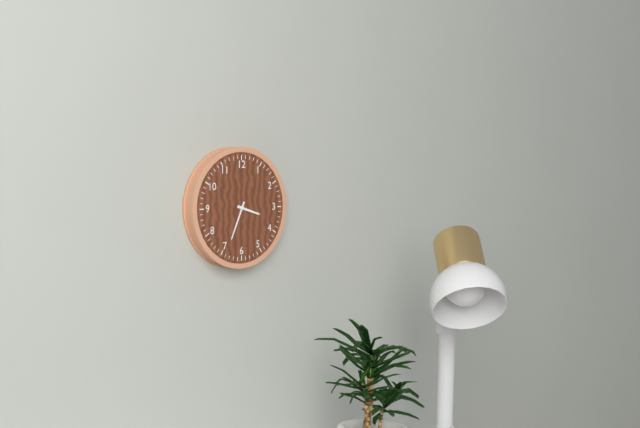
3.34
